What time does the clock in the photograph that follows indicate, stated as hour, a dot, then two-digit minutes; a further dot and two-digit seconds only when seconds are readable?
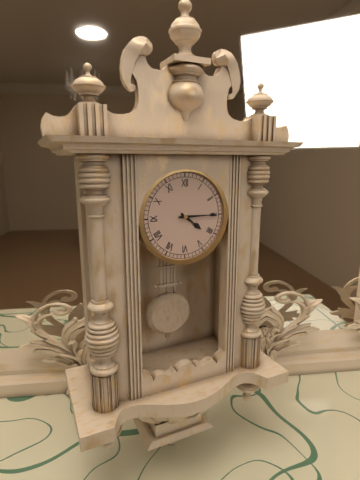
4.15
